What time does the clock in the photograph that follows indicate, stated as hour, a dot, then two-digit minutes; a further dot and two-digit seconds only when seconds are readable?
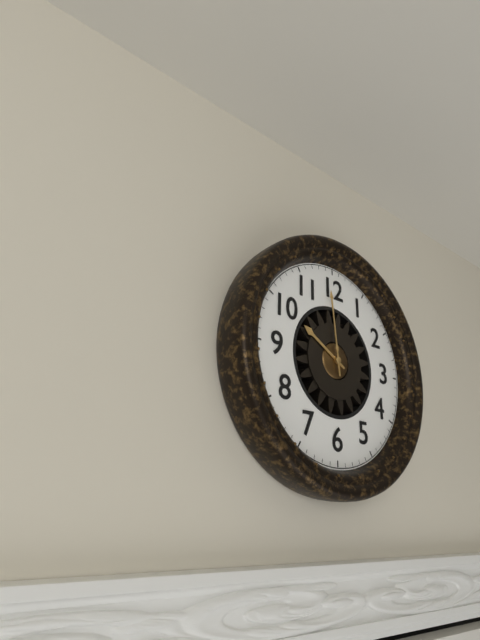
9.59
